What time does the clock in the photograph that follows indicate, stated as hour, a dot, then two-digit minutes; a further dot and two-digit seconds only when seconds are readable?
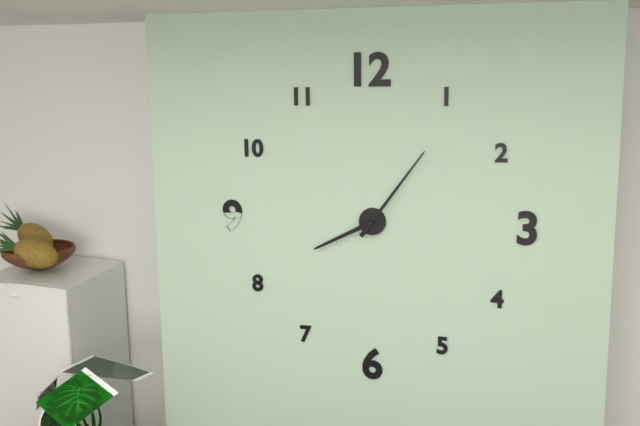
8.06
